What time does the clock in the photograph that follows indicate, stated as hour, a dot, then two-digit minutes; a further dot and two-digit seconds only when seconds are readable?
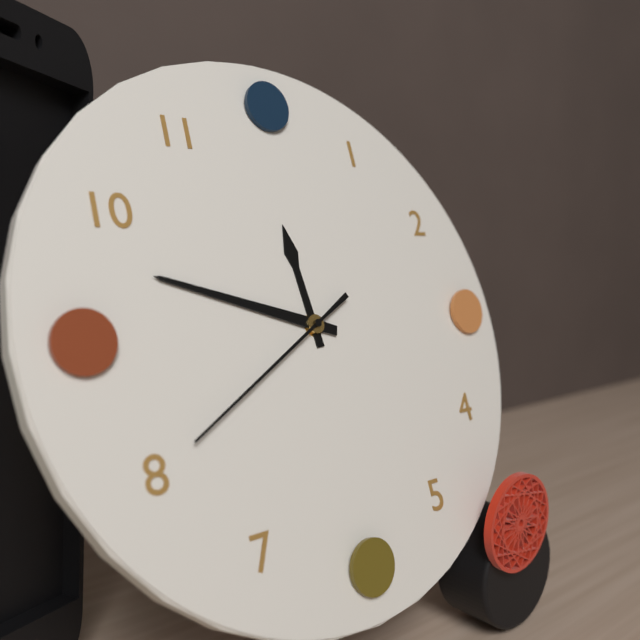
11.48.40
